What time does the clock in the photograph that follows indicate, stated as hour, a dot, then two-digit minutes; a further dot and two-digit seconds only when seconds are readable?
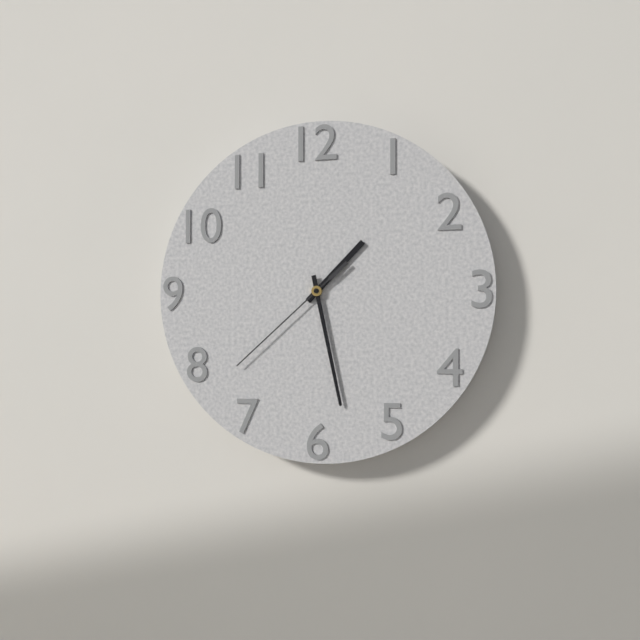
1.28.38
